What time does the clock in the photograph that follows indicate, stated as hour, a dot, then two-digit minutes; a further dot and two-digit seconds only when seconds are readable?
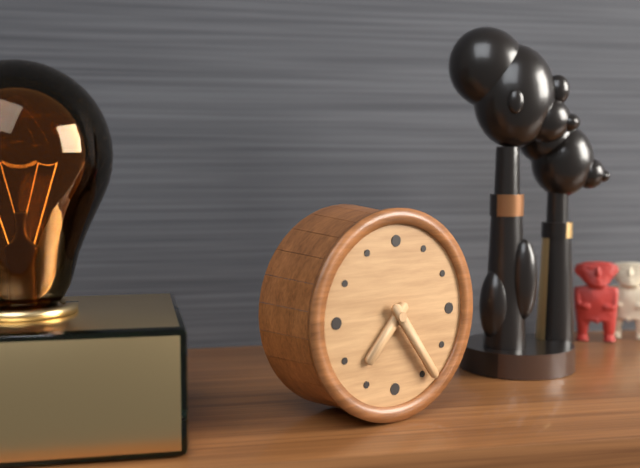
7.24
